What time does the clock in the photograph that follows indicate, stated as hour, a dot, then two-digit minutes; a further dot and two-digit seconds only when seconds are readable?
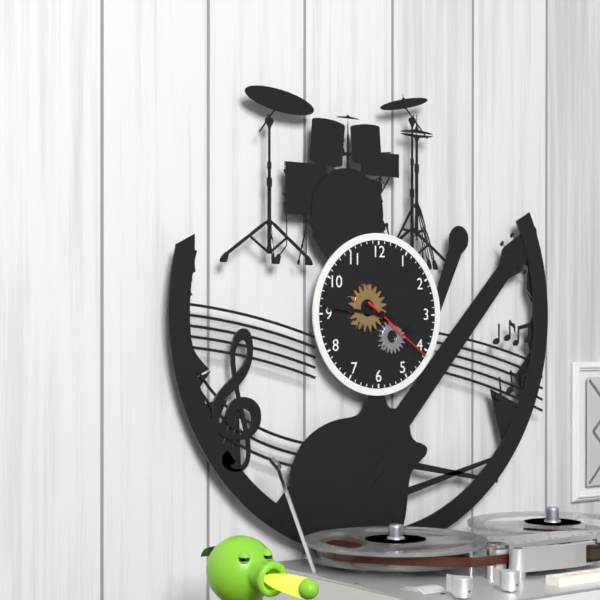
3.46.21
